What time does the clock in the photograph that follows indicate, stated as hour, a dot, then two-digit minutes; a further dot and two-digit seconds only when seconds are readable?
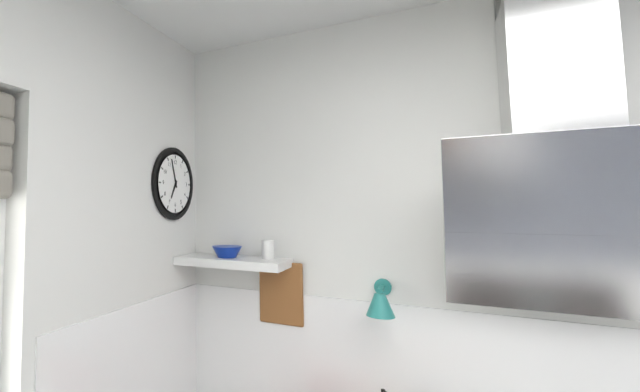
6.57
